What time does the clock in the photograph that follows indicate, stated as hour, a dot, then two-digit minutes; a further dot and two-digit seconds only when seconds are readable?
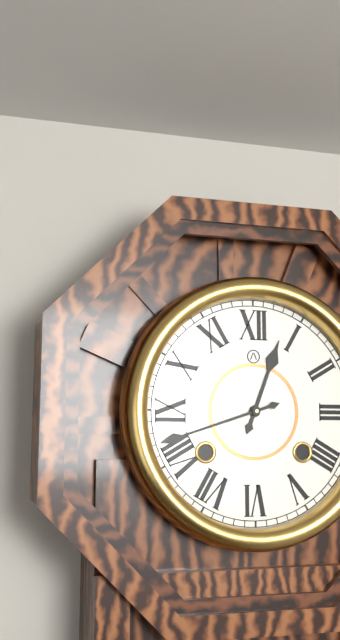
12.42
